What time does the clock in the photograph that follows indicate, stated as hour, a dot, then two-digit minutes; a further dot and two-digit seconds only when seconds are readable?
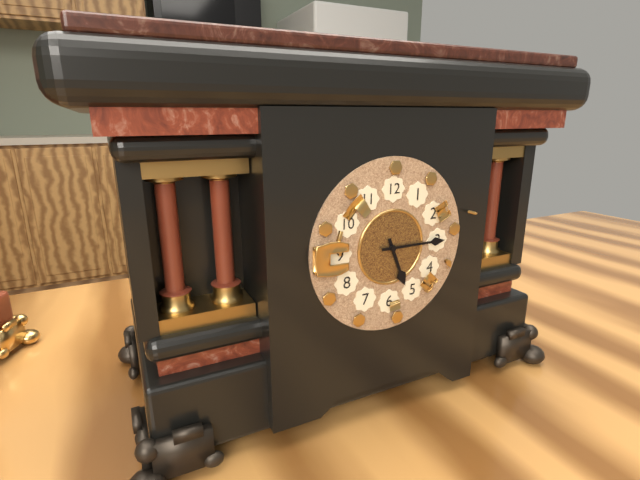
5.15
